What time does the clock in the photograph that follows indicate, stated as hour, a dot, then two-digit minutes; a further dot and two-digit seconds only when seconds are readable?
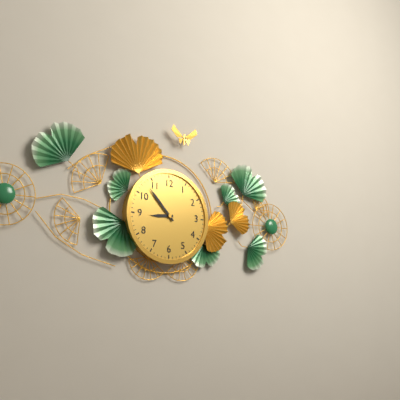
8.53
